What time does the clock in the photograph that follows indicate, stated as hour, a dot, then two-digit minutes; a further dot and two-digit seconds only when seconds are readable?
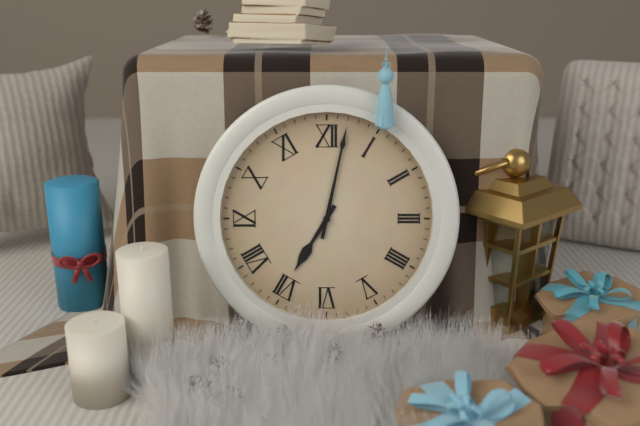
7.02
